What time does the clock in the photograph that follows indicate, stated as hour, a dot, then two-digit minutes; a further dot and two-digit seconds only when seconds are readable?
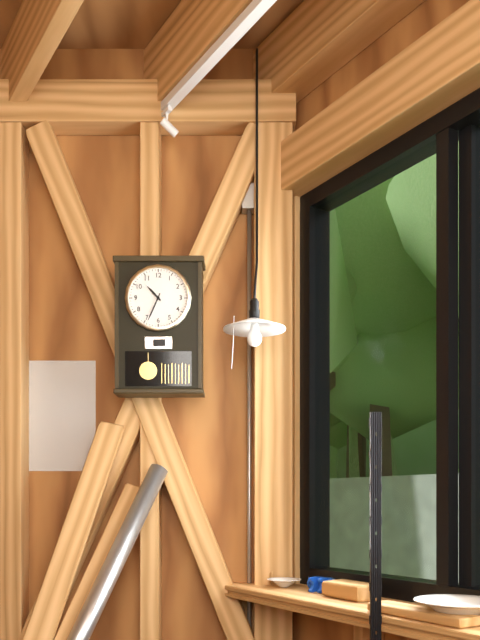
10.34
